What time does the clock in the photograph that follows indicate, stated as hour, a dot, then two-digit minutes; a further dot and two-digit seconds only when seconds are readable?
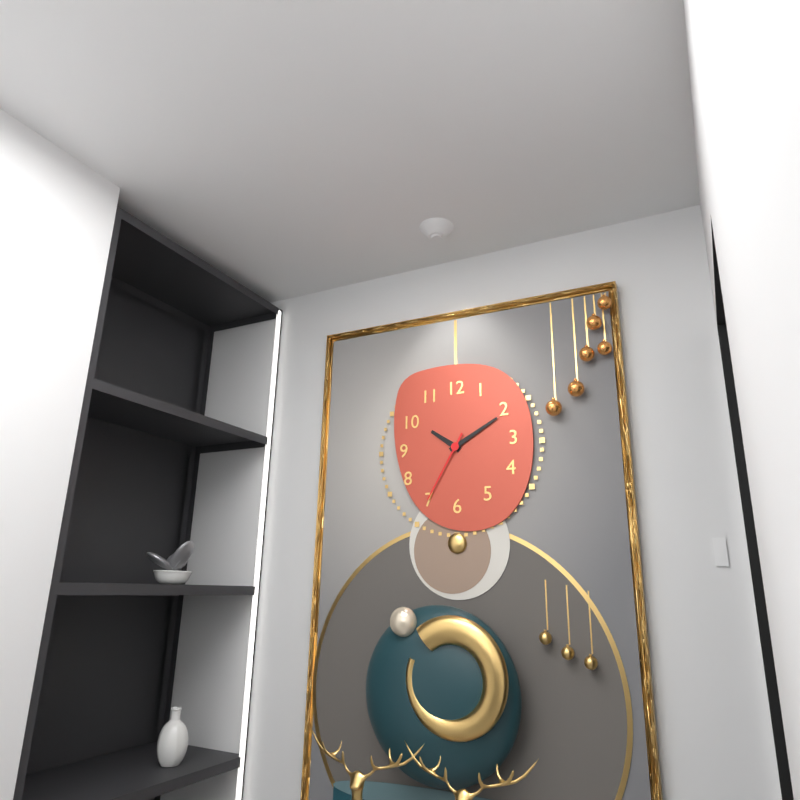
10.10.35
